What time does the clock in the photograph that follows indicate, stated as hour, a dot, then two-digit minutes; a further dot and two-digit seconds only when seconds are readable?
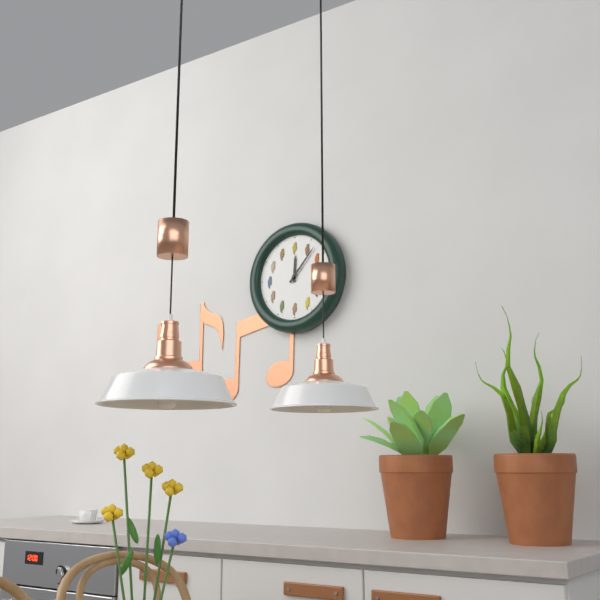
12.07
